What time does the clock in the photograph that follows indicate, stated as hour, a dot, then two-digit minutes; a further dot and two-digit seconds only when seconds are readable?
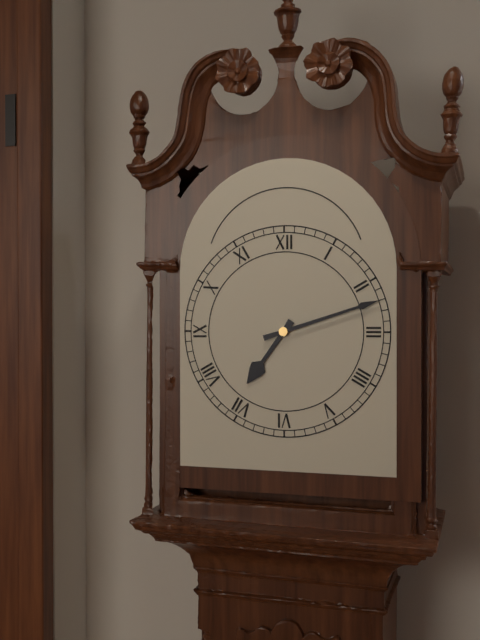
7.12
